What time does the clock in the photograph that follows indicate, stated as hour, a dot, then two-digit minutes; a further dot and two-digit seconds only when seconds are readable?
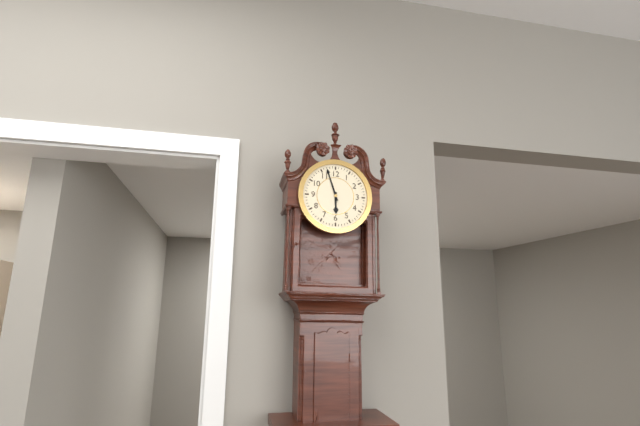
5.57
